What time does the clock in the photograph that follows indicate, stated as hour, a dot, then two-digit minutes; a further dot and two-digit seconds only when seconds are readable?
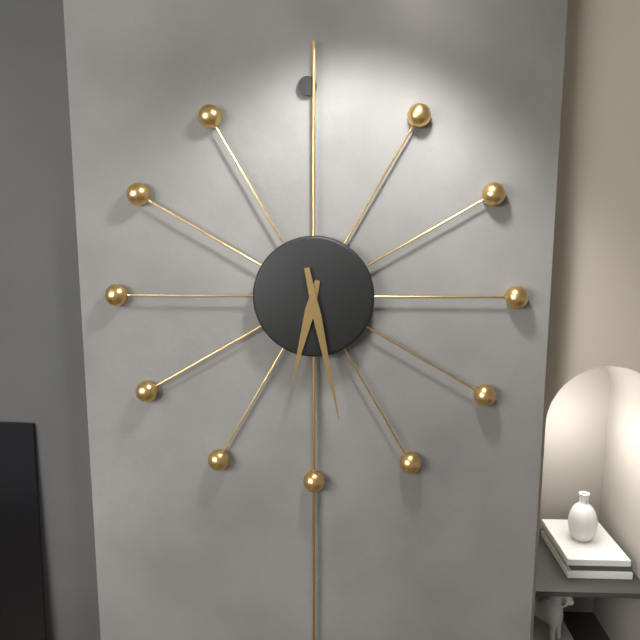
6.28
